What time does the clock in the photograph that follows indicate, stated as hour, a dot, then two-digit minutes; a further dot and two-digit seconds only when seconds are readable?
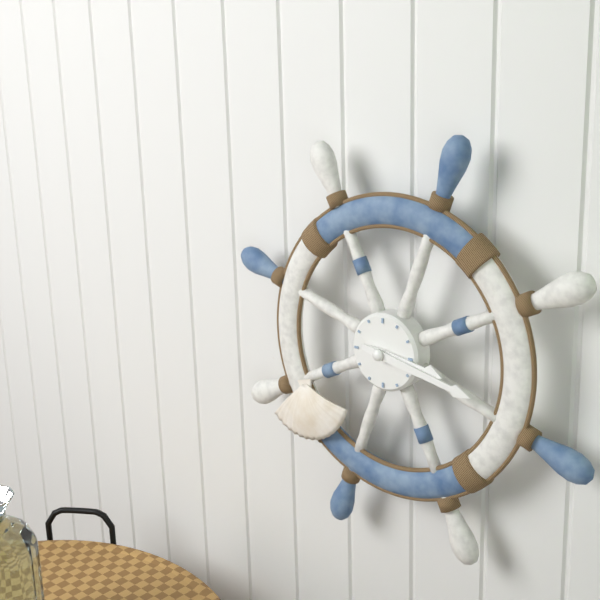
3.17
